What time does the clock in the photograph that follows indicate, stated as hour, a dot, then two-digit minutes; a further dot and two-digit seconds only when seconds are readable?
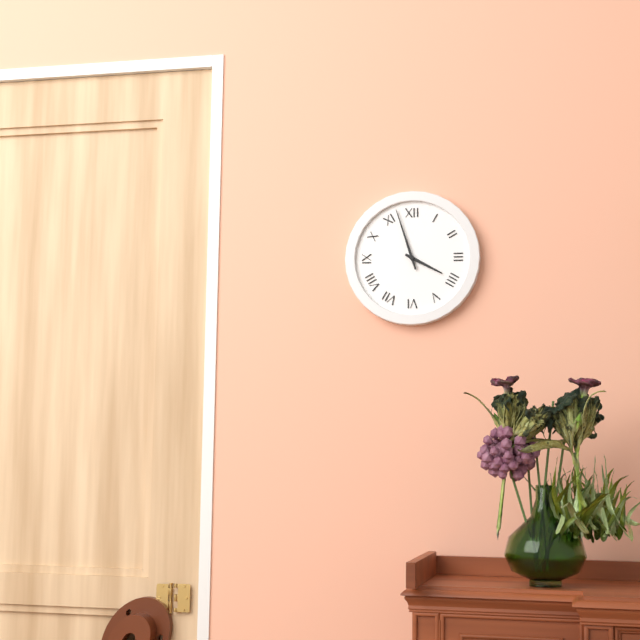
3.57
